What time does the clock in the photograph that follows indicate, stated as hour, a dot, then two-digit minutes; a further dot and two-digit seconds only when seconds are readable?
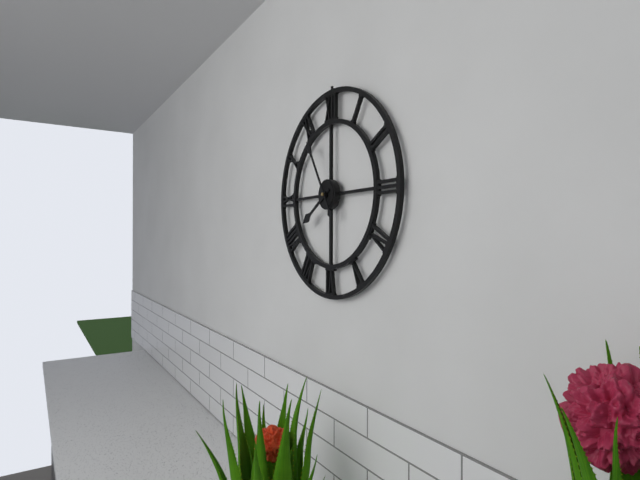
7.55
